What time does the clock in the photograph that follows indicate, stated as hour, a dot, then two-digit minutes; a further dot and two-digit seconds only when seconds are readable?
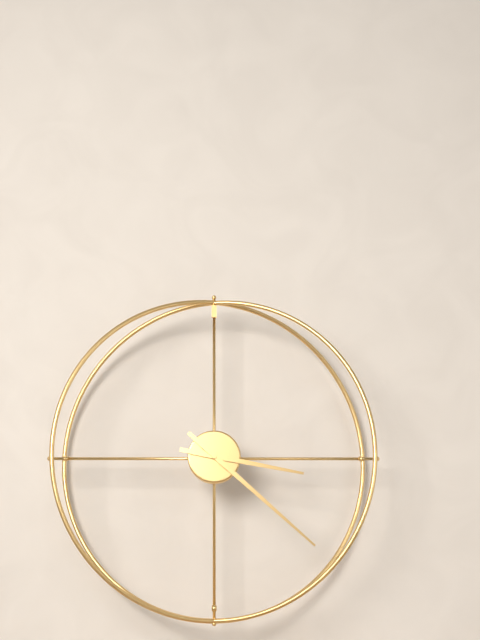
3.22
